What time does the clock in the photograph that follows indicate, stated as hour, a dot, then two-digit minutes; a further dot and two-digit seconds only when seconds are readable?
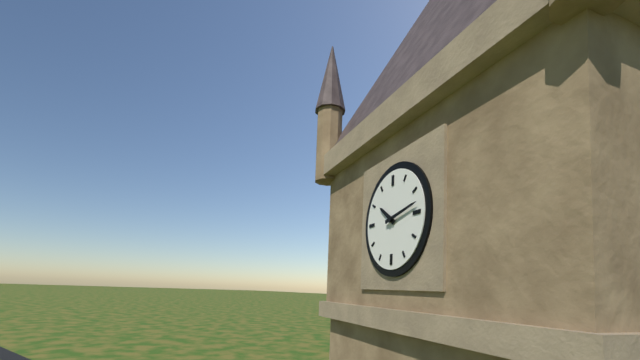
10.13
